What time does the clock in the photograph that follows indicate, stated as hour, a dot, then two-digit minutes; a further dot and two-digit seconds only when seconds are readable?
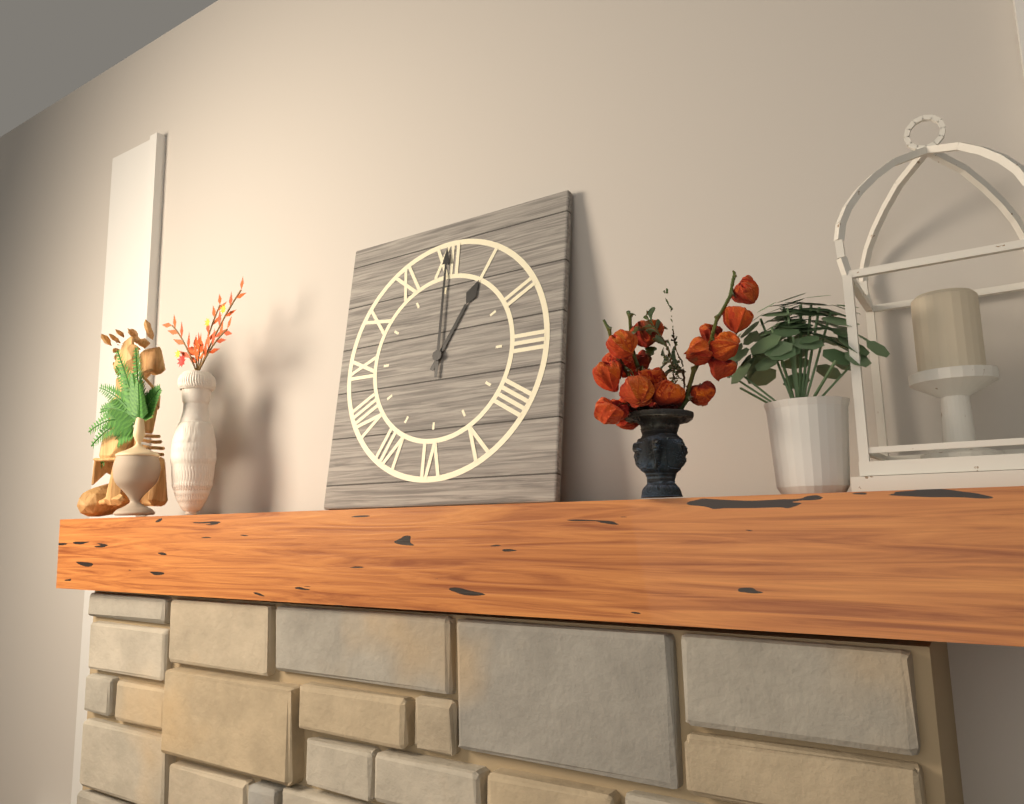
1.00
